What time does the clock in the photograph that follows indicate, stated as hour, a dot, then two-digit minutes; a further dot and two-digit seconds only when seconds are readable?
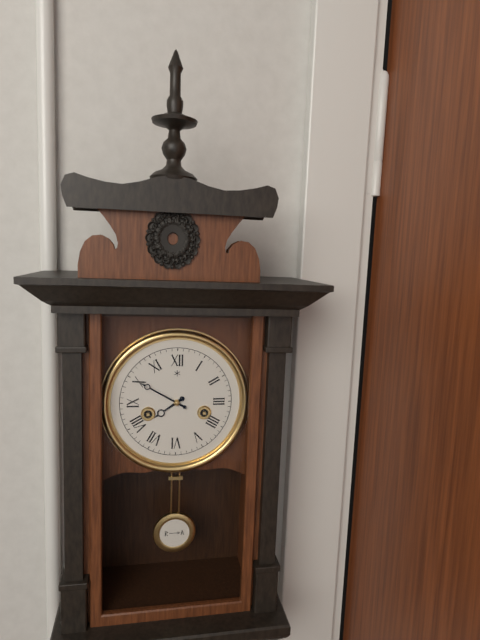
7.50
